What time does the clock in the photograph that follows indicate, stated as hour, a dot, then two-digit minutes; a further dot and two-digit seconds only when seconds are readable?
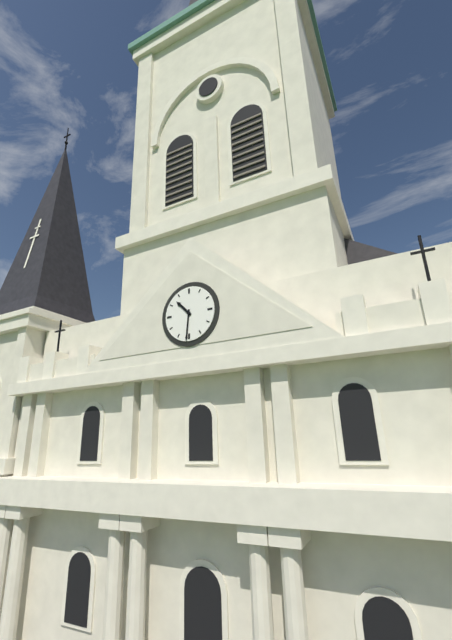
10.31
